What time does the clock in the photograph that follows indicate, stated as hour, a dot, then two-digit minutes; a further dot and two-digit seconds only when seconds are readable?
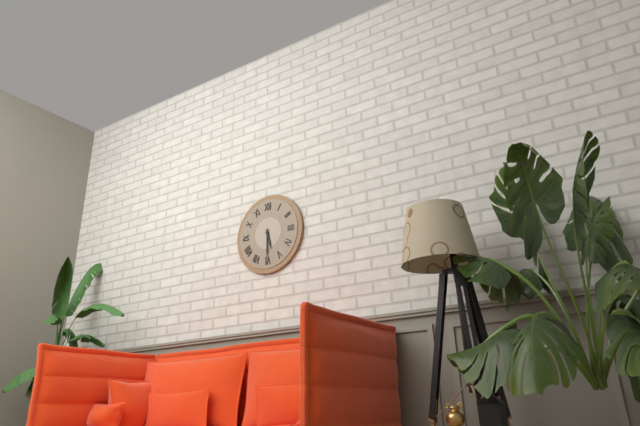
5.30
